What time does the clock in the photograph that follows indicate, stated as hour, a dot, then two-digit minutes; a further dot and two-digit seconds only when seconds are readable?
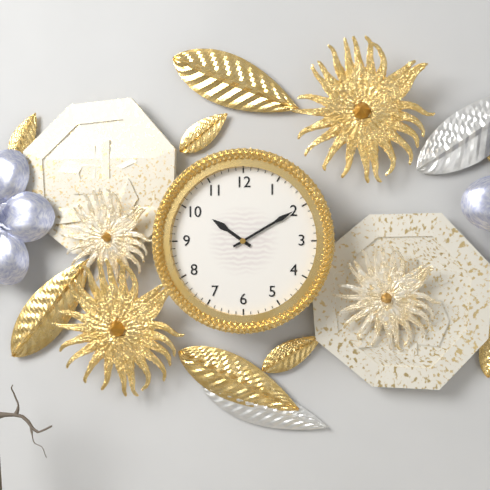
10.10
